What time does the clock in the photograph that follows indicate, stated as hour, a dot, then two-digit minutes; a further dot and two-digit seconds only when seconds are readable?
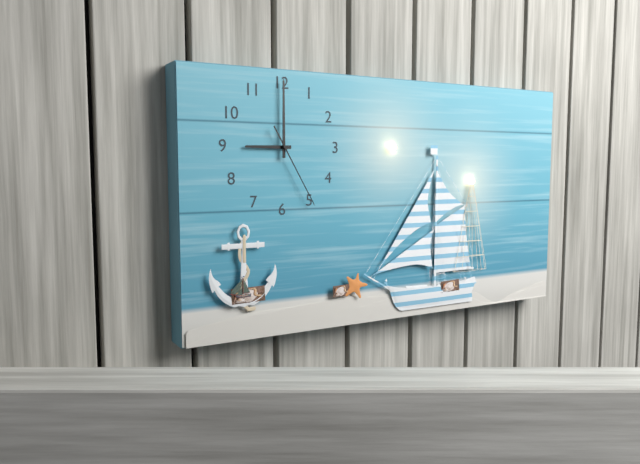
9.00.25
